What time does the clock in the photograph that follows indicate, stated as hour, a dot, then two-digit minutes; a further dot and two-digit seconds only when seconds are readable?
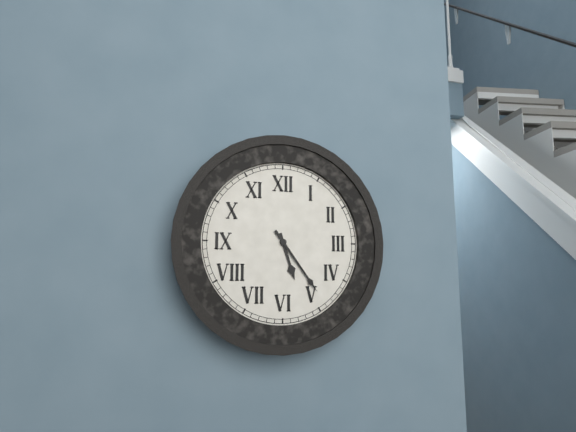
5.24
